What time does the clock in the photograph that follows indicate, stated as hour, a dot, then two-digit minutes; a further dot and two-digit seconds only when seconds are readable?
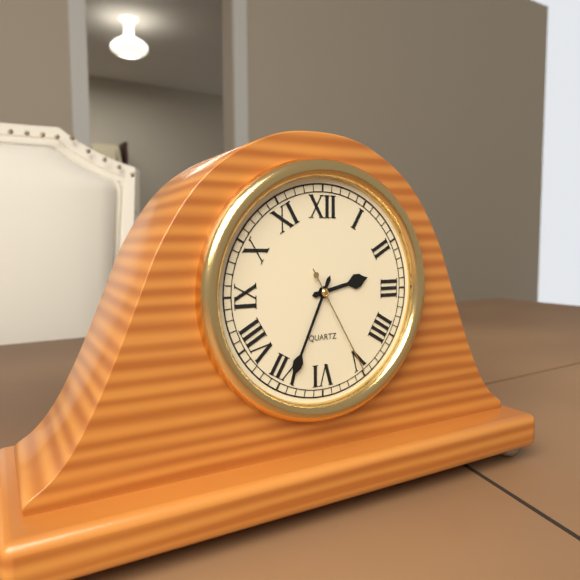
2.34.25
